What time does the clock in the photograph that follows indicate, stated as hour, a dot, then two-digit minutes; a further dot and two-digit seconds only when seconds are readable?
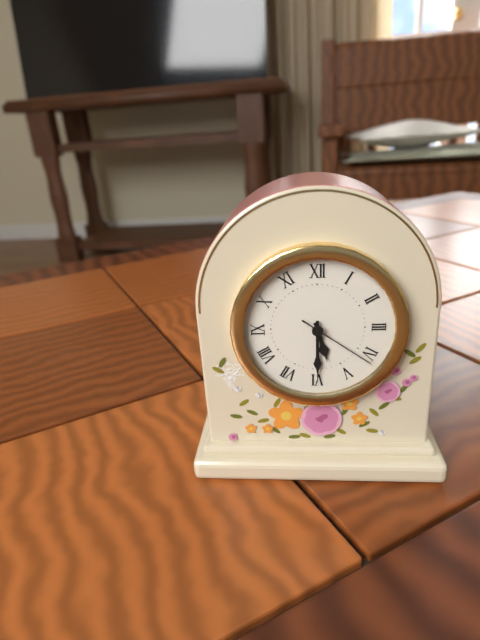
5.30.21
